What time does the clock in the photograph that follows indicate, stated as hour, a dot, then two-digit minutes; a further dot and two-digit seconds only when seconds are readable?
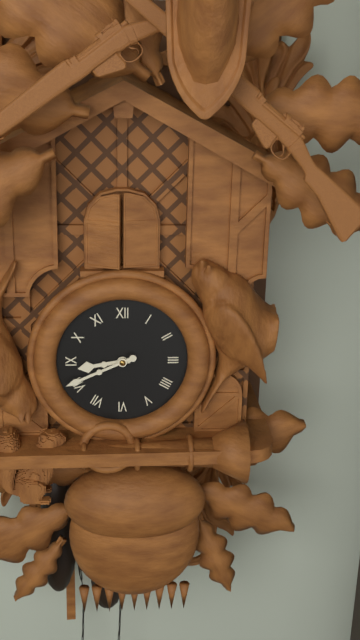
8.41
